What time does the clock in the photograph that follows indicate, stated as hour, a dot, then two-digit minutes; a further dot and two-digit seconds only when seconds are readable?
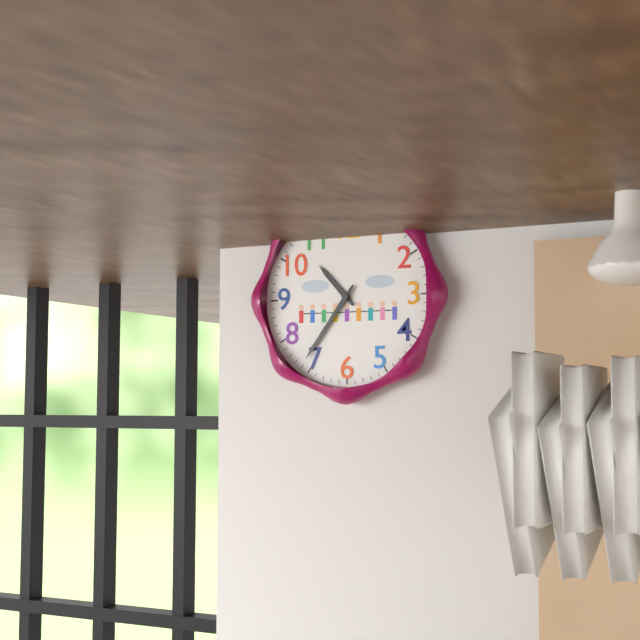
10.36
